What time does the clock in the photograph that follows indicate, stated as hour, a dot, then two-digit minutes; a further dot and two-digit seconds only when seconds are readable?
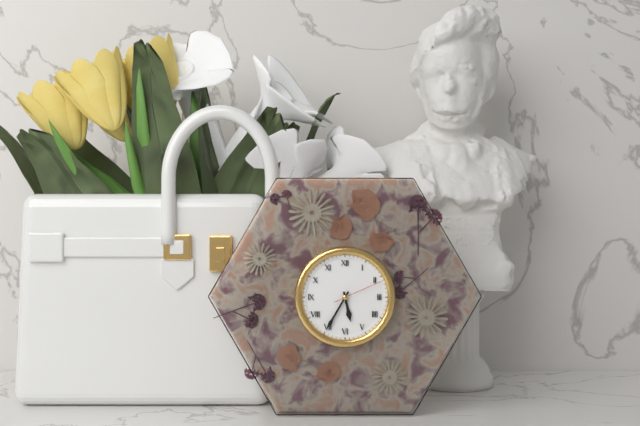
5.35
